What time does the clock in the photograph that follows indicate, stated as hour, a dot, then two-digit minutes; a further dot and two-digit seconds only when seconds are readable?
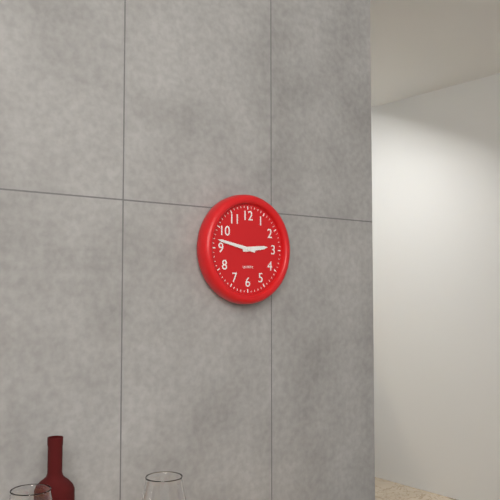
2.47
